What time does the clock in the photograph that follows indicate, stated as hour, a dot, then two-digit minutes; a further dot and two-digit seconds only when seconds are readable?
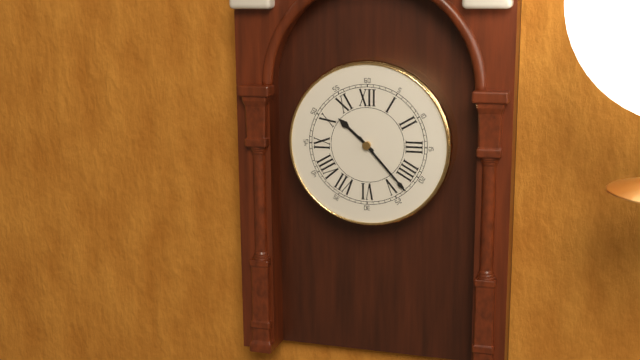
10.23
